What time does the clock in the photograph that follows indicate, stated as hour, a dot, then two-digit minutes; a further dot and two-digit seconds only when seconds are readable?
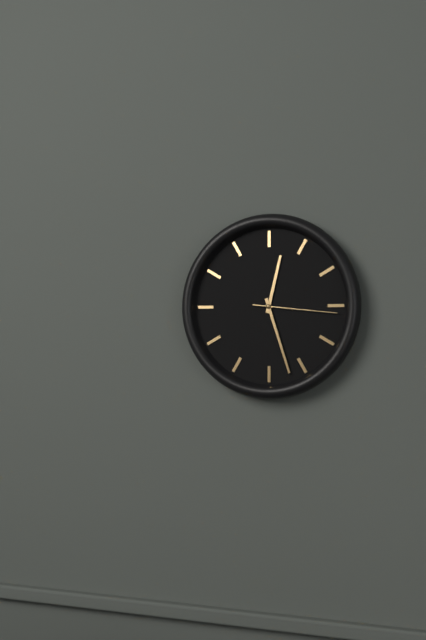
12.27.16
